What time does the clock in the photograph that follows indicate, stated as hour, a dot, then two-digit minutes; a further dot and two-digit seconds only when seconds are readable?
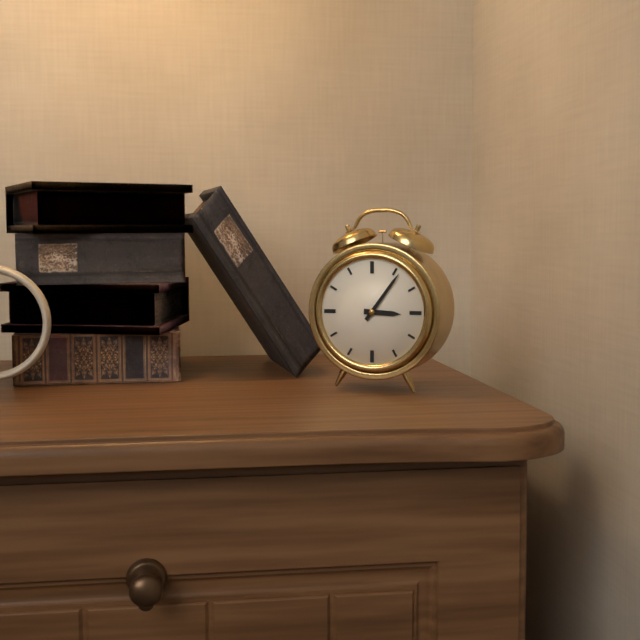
3.06
